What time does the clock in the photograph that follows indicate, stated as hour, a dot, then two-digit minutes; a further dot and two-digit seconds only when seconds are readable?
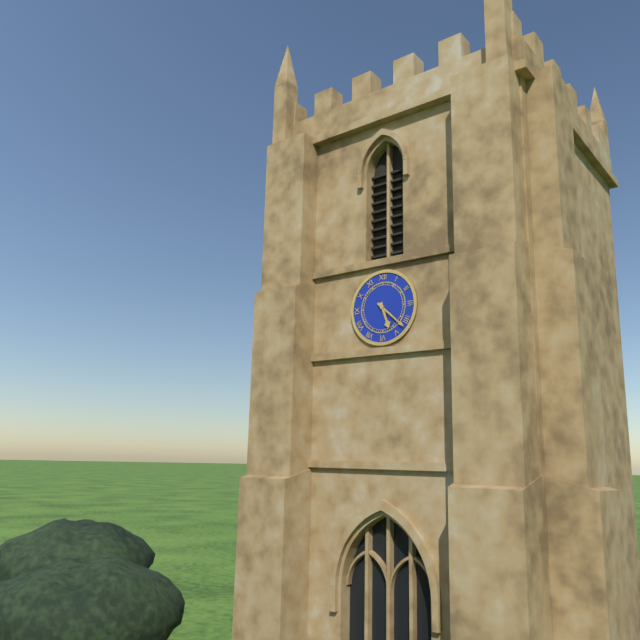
5.22
